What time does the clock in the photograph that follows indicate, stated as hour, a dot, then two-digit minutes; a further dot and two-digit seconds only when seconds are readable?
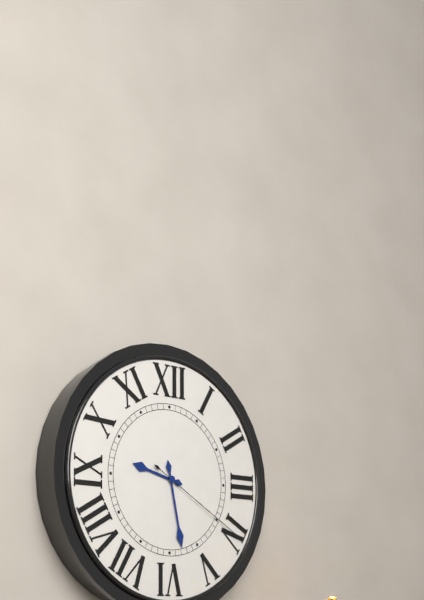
9.28.20
